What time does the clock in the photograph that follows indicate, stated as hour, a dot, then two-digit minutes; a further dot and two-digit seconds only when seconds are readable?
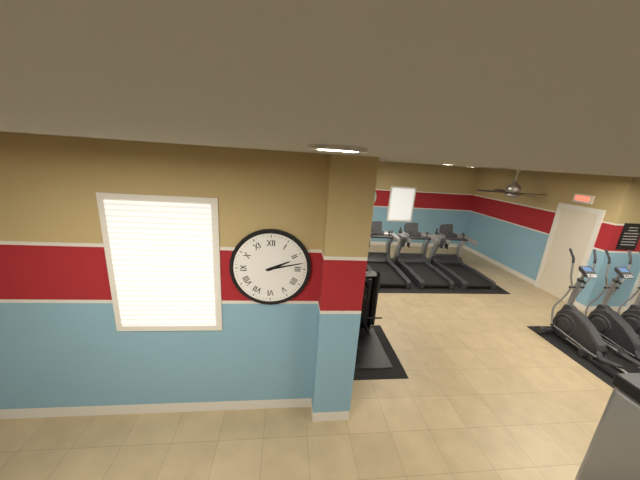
2.13
